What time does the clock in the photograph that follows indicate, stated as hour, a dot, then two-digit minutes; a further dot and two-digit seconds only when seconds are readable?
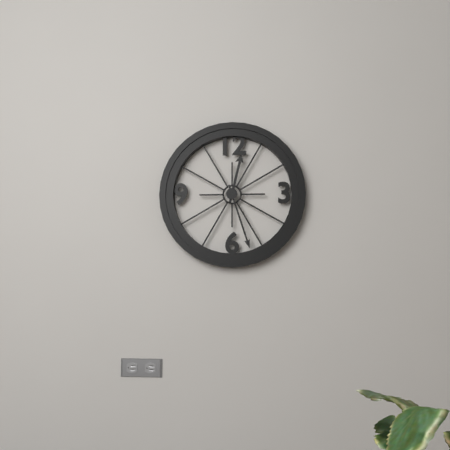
12.27
